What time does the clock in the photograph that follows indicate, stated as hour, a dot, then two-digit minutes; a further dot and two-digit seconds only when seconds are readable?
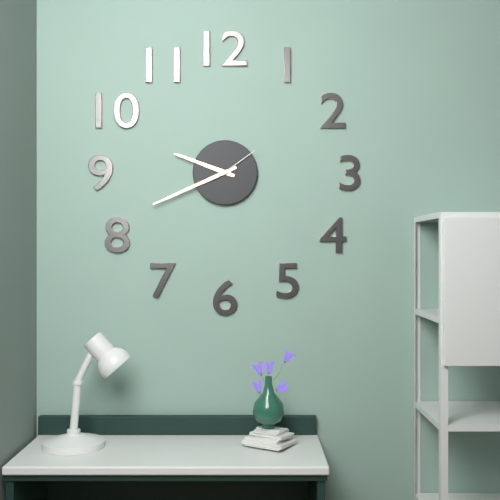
9.41
